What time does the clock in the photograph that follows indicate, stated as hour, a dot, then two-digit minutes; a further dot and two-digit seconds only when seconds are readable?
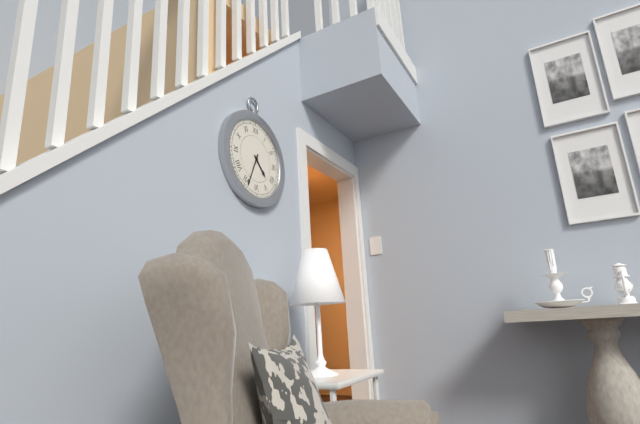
4.34
